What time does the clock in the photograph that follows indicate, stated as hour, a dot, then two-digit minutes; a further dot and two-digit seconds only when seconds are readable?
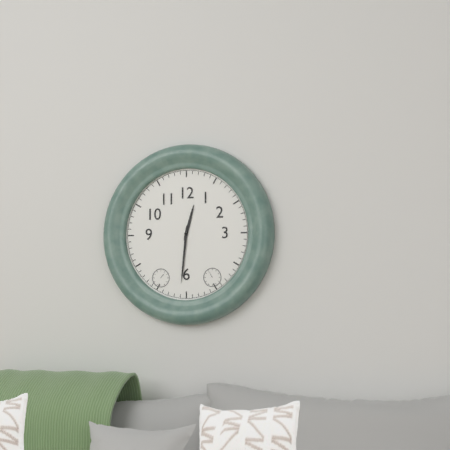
12.31
